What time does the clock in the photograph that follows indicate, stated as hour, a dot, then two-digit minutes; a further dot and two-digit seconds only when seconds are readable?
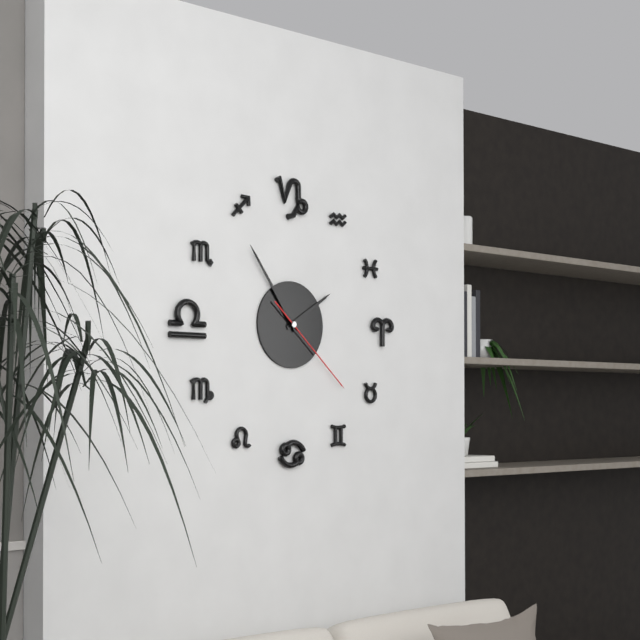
1.54.22
